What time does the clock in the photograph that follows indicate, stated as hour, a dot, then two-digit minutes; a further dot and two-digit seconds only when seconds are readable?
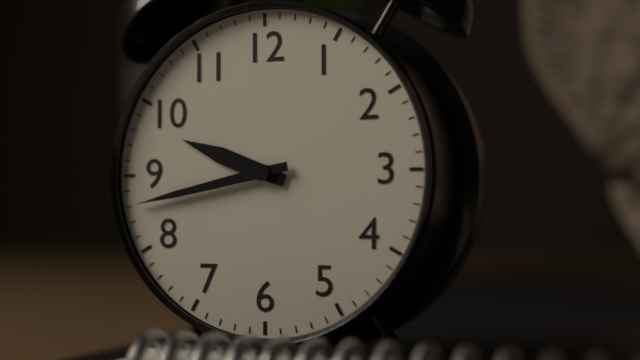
9.43
